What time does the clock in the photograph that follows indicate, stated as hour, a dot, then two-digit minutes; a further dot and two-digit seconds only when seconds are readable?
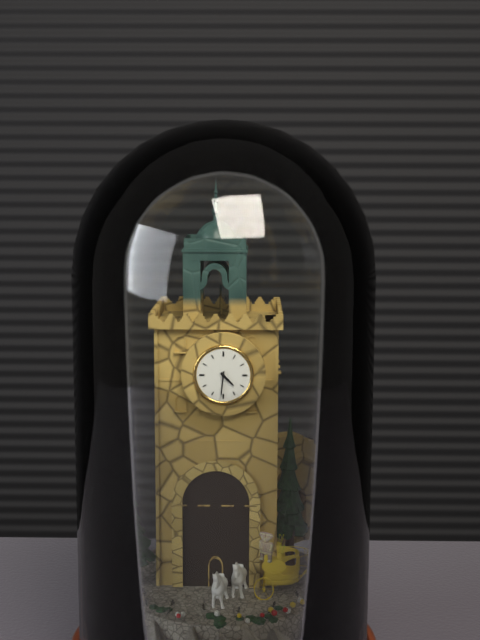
4.31
